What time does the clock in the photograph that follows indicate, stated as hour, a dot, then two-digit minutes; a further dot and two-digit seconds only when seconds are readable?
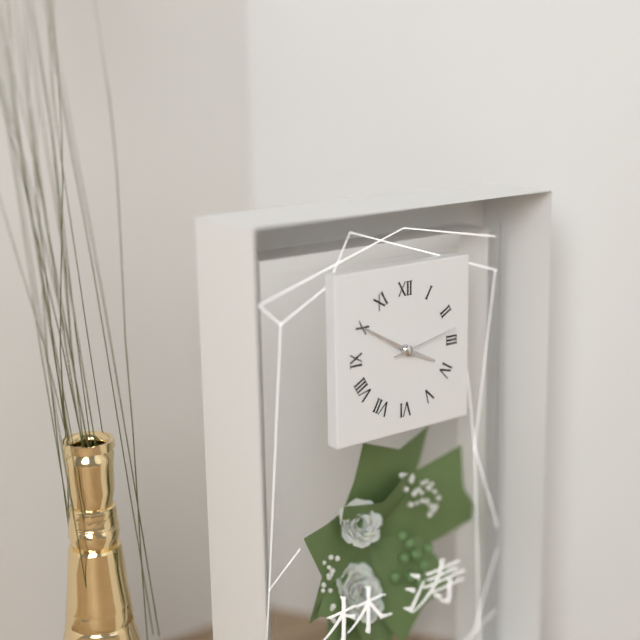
3.50.13
